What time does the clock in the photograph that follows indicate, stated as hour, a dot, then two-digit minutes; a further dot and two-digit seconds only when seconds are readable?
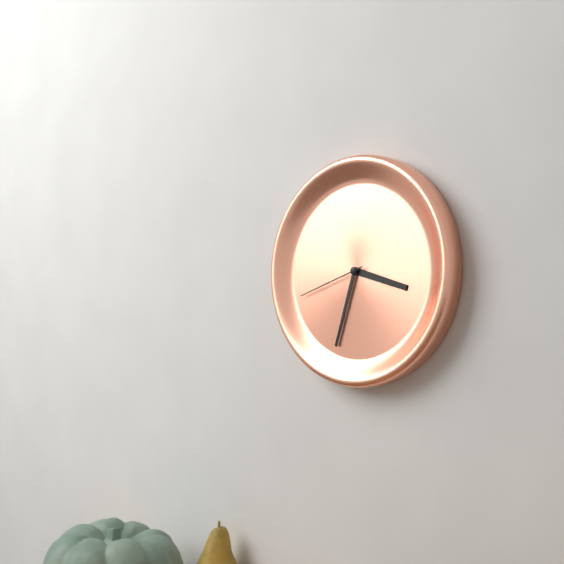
3.33.42
